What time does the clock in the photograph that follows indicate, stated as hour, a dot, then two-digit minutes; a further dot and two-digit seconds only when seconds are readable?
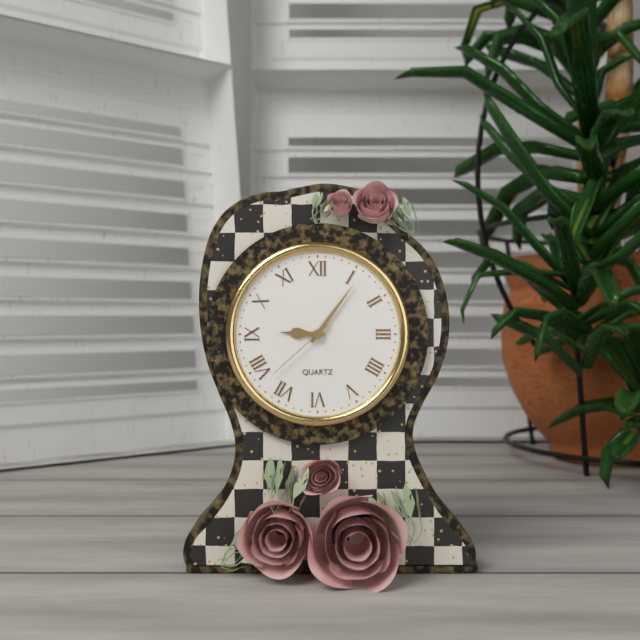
9.06.38
